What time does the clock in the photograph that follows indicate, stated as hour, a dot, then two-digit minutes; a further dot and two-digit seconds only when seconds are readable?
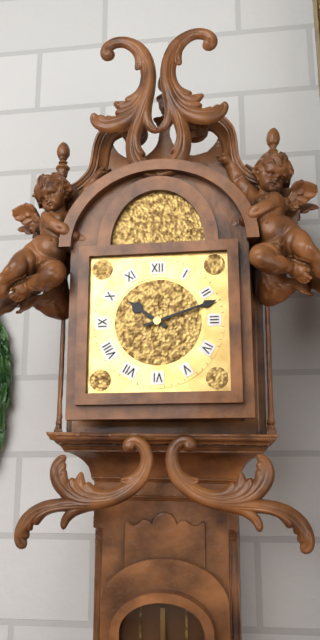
10.12
